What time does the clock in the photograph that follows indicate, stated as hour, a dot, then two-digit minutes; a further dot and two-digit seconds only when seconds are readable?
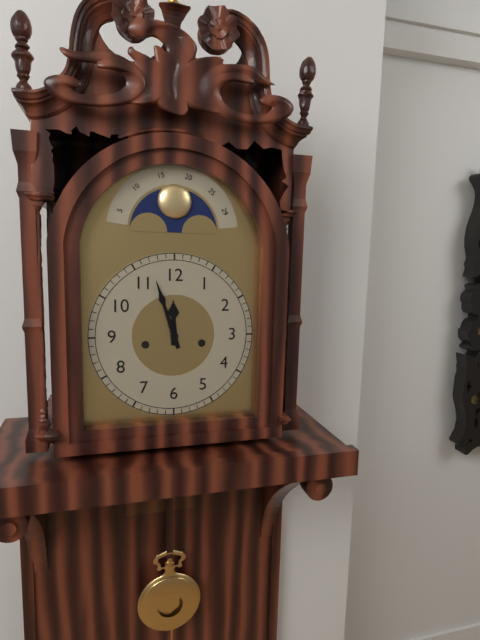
11.57
